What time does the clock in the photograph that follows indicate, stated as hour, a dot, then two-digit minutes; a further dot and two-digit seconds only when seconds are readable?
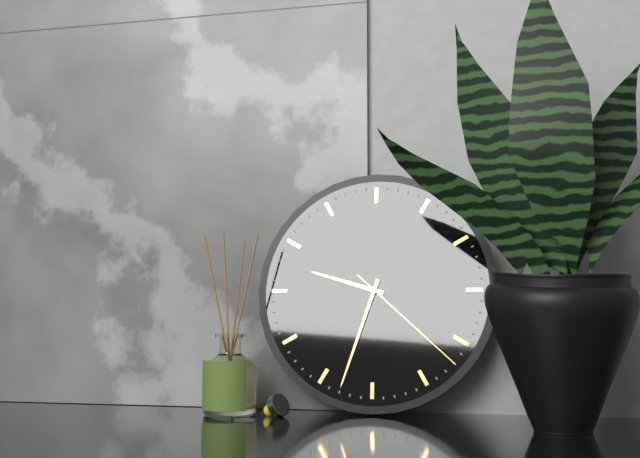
9.33.22
